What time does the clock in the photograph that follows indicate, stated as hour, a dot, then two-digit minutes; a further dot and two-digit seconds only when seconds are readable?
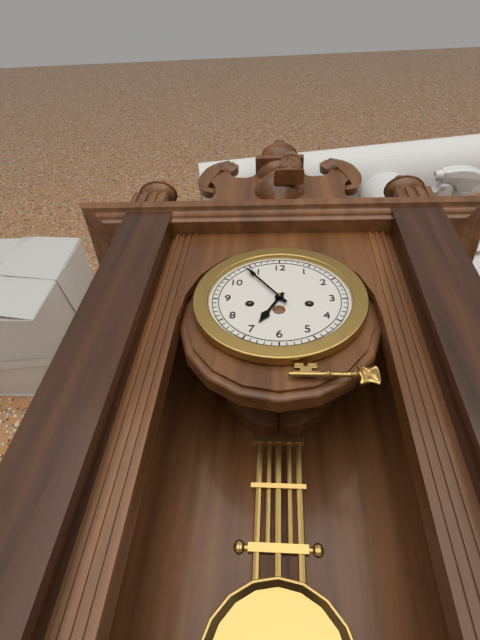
6.54
